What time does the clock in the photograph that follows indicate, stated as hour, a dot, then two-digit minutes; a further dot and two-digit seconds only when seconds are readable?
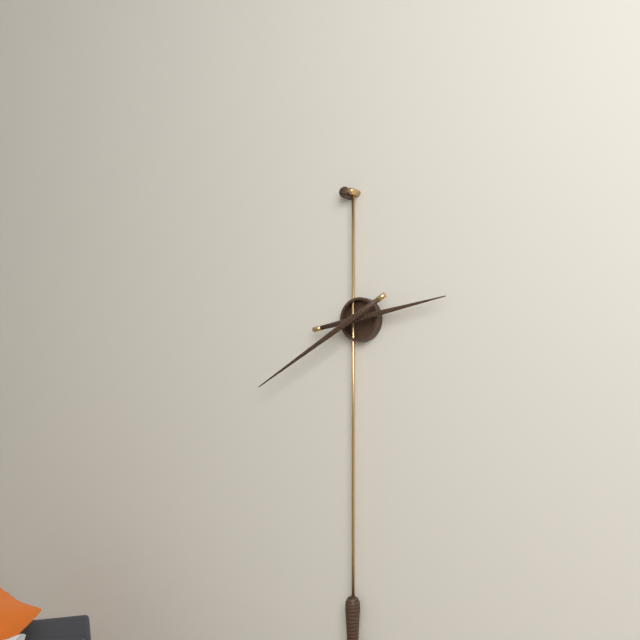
2.40
